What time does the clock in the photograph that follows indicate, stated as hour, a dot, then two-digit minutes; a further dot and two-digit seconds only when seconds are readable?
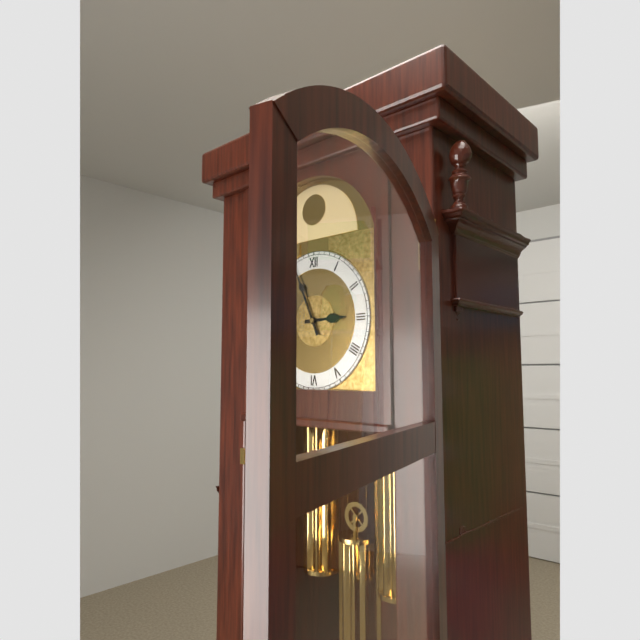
2.56
